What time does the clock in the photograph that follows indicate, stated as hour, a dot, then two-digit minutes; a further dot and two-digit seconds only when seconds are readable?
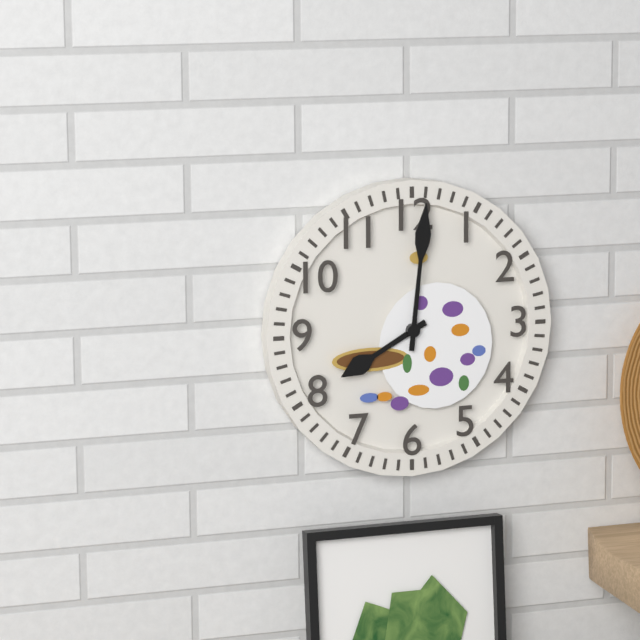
8.01
